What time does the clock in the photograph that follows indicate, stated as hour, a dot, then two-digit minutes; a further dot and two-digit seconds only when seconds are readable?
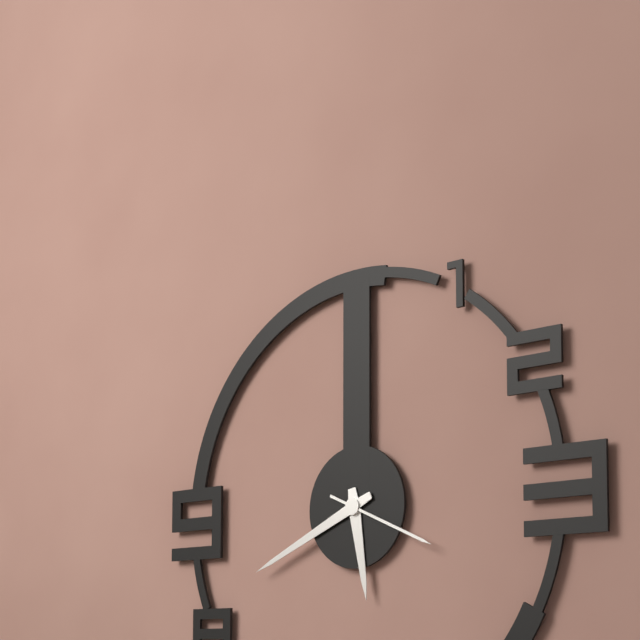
5.41.19
